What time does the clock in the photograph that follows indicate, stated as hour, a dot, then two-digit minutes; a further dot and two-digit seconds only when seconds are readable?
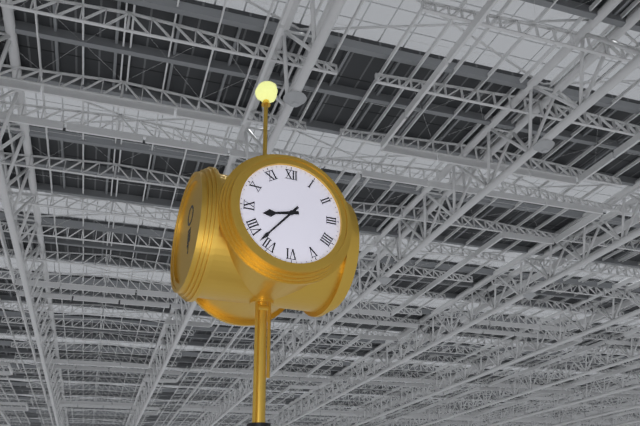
8.37
